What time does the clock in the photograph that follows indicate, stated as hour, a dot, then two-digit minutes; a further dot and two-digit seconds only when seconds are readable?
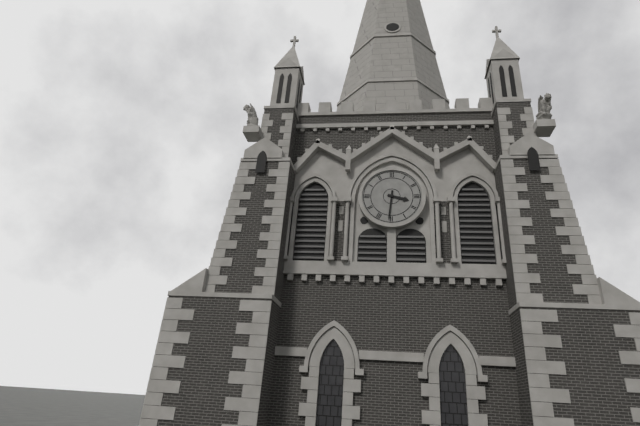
3.31
